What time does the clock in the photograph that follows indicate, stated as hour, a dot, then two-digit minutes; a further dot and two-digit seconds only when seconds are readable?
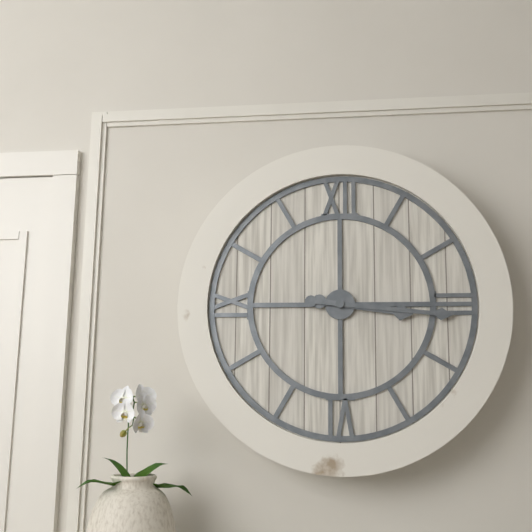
3.16
